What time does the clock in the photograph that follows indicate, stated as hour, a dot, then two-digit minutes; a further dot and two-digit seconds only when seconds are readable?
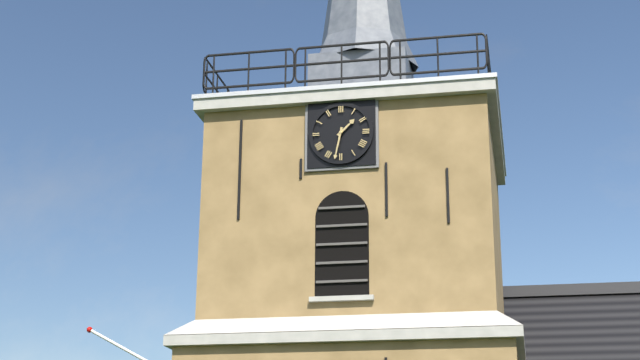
1.32
